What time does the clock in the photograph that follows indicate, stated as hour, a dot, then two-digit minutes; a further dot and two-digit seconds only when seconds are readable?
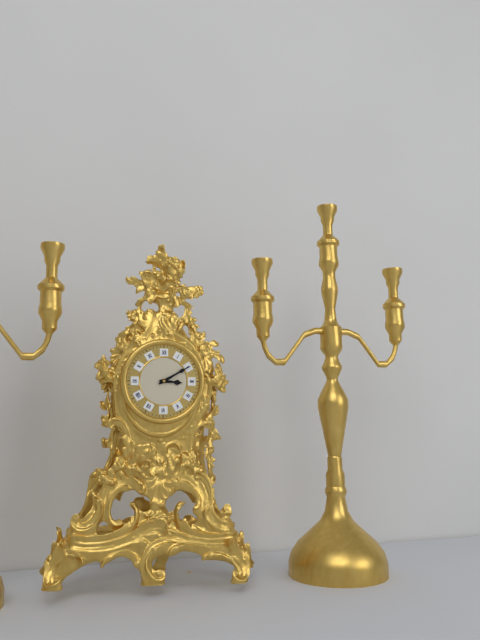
3.10
